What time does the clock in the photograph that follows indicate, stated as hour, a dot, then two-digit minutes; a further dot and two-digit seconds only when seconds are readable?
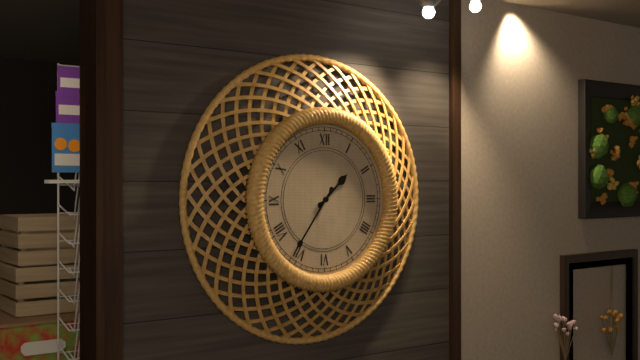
1.36
